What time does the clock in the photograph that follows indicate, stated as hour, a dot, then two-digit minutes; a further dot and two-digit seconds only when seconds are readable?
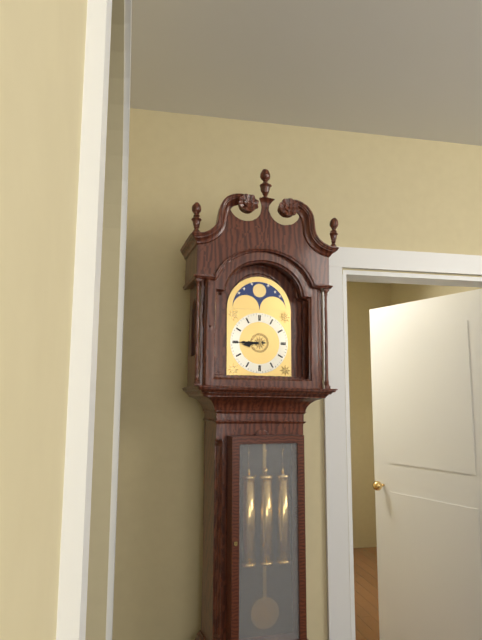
8.45
